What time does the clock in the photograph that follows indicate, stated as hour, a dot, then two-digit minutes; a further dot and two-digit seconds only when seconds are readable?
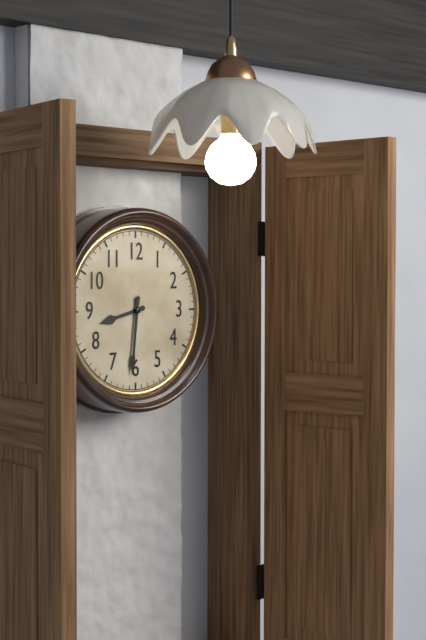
8.31
